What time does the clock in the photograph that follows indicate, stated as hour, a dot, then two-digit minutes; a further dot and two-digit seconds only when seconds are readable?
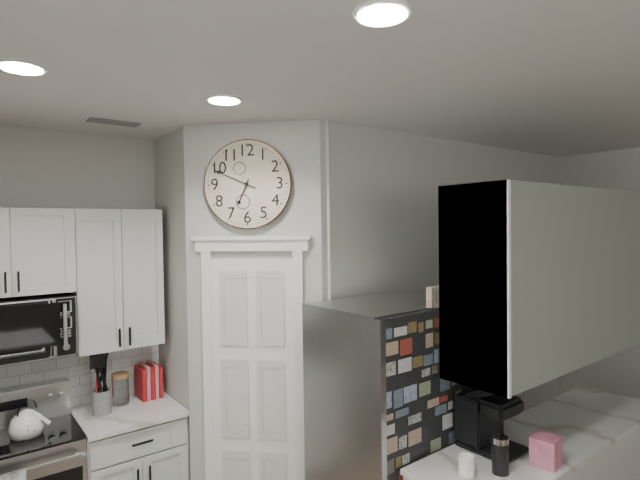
6.49
